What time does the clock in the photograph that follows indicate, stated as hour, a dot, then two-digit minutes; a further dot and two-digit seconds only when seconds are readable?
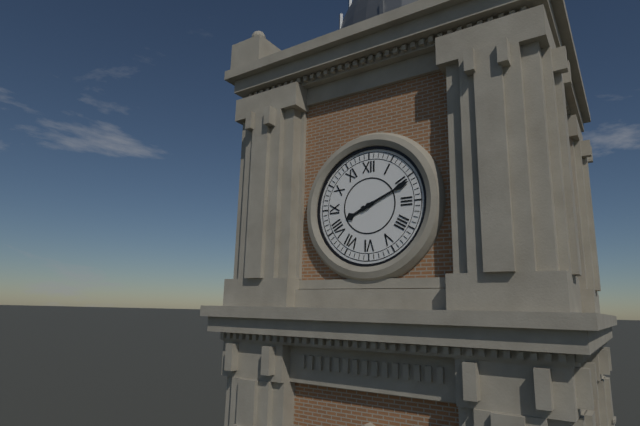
8.11
